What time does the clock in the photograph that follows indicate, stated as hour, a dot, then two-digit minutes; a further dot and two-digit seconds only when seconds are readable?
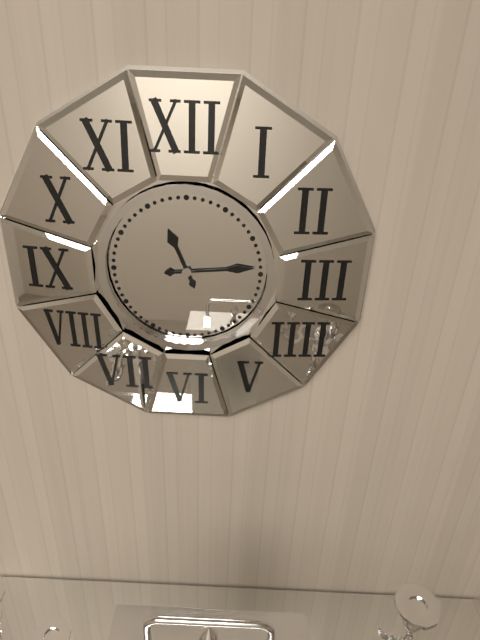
11.14
